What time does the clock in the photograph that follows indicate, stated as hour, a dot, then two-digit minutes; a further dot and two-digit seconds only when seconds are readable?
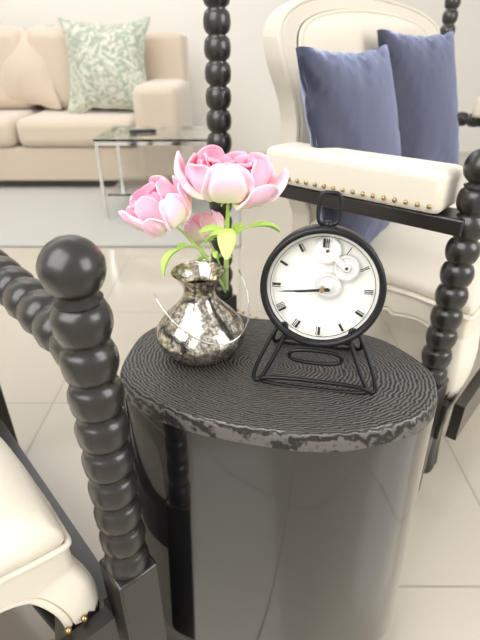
8.44
